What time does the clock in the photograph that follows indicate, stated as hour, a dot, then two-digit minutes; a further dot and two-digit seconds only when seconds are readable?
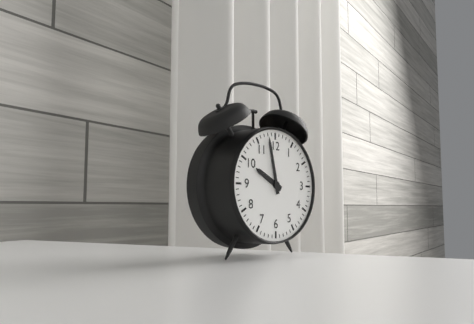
9.58
